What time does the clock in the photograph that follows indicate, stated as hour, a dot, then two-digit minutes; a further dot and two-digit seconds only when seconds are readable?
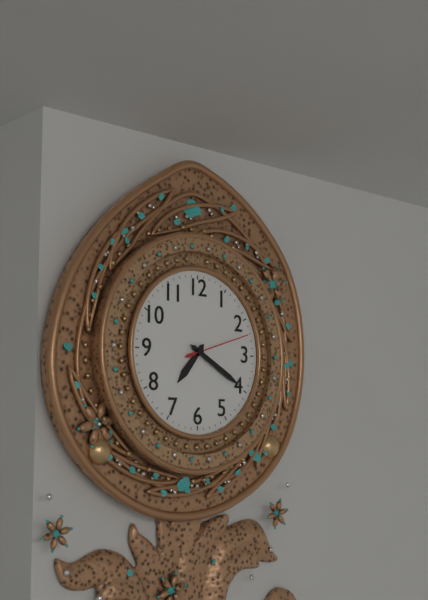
7.20.12
